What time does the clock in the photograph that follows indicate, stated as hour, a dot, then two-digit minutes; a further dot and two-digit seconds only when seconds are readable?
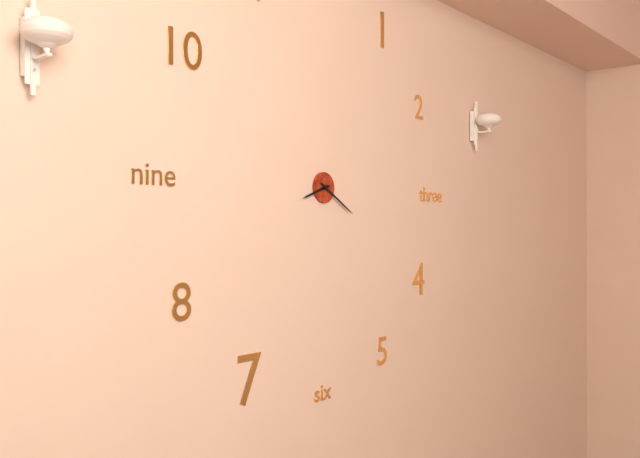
8.20
